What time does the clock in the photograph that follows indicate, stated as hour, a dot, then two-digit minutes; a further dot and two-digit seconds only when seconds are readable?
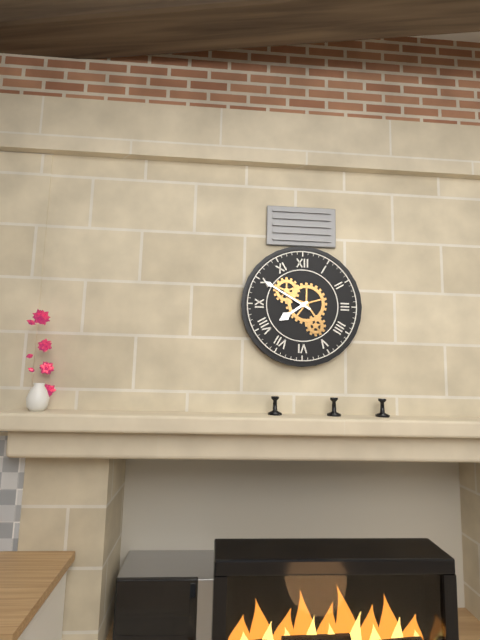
7.50
